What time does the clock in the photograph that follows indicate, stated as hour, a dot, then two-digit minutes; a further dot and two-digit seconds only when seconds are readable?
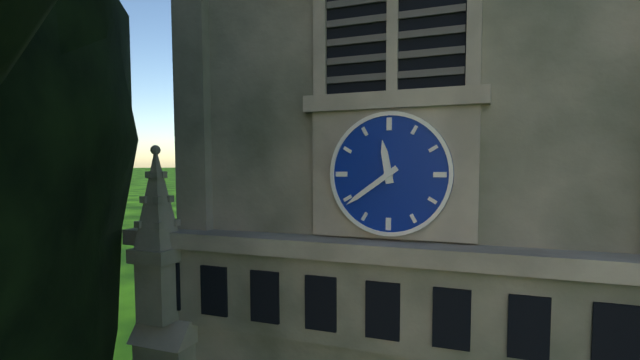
11.39
